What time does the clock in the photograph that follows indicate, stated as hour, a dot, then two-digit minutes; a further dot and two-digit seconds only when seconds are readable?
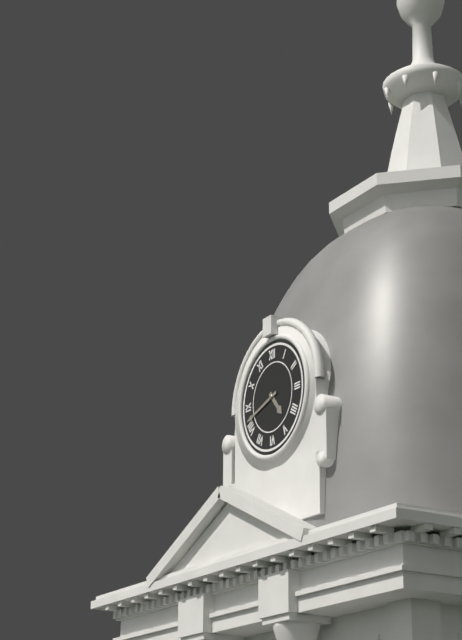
4.42
